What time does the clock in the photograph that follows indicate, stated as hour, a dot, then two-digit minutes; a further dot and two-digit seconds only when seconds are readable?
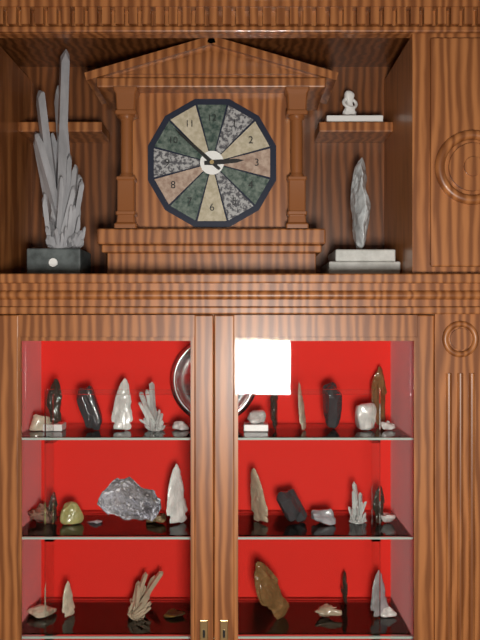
2.52
